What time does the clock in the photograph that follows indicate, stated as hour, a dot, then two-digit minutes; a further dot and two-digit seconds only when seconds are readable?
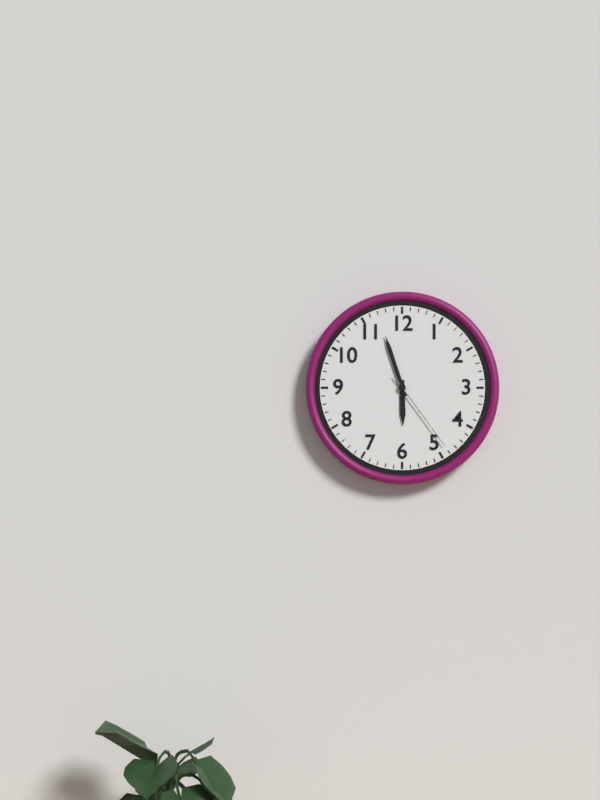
5.57.24
